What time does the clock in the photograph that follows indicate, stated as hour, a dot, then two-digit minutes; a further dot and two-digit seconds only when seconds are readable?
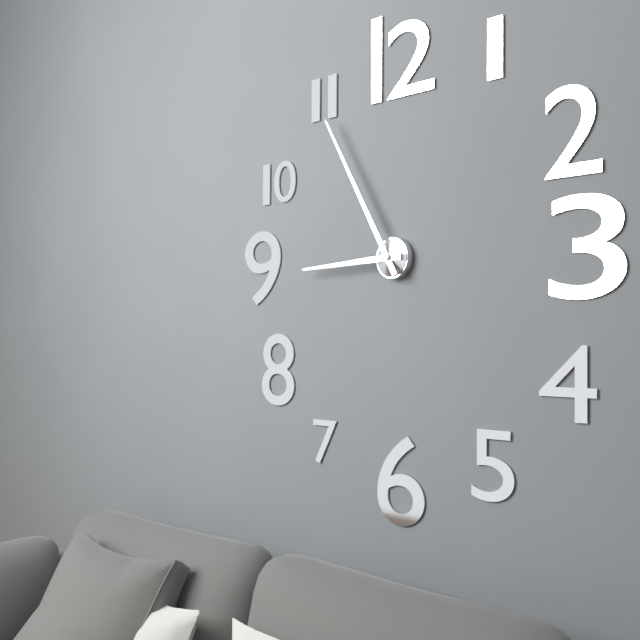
8.55
